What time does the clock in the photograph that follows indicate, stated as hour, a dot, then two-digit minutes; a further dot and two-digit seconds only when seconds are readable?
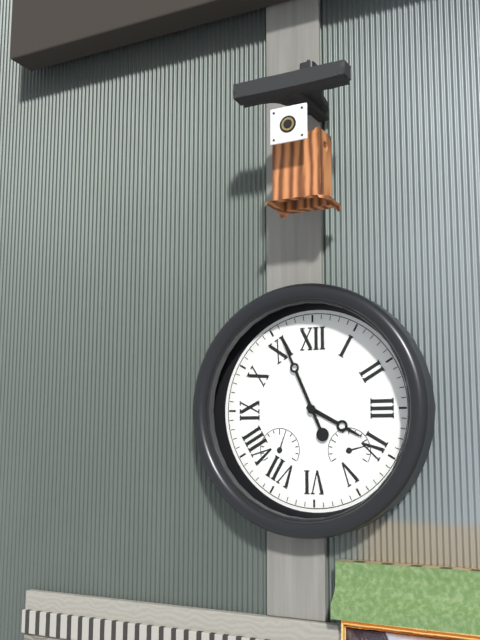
3.56
